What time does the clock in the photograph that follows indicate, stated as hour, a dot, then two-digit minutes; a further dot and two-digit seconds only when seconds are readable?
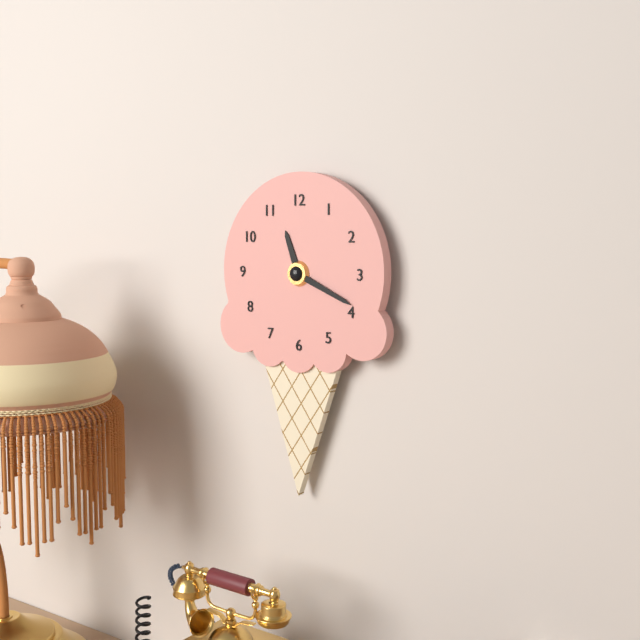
11.19
